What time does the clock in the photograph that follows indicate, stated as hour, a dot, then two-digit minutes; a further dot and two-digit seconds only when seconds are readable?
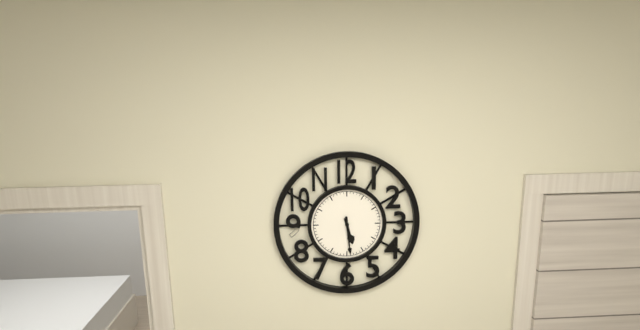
5.29
